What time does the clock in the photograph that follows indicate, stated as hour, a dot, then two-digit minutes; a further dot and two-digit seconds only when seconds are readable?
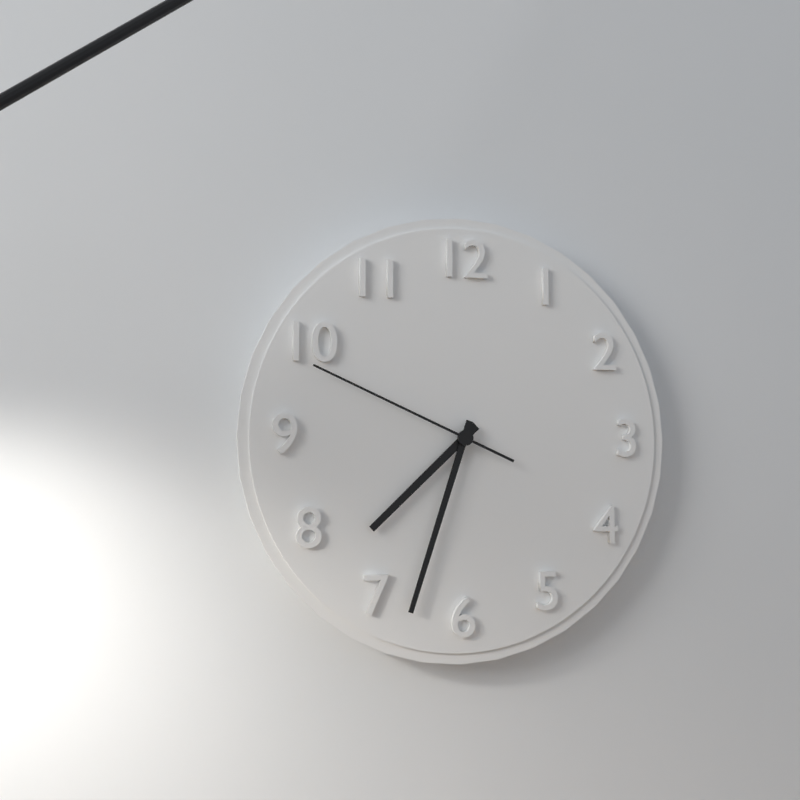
7.33.49
